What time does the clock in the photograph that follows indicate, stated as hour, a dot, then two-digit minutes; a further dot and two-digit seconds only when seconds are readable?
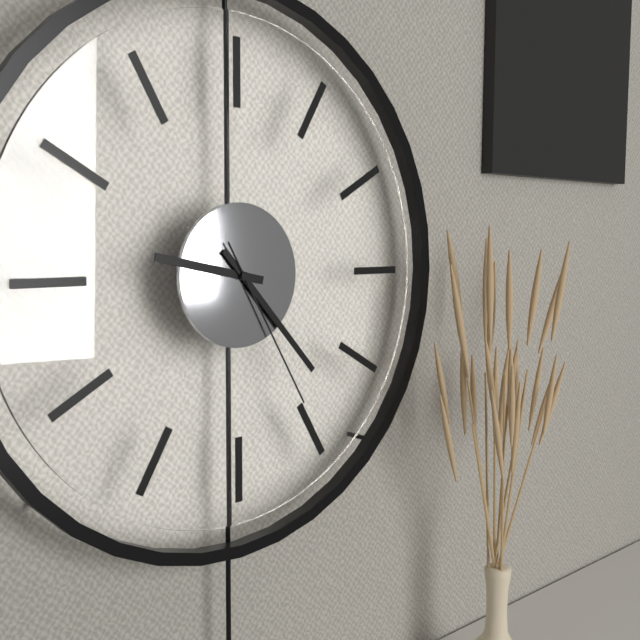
9.23.25
